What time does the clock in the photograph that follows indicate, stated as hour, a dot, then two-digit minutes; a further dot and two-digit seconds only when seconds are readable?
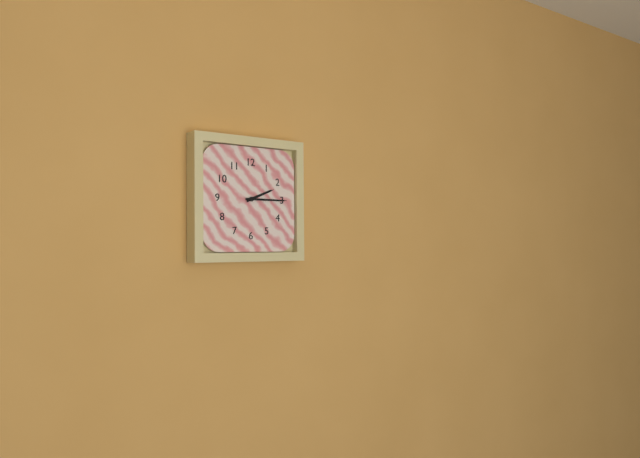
2.15
